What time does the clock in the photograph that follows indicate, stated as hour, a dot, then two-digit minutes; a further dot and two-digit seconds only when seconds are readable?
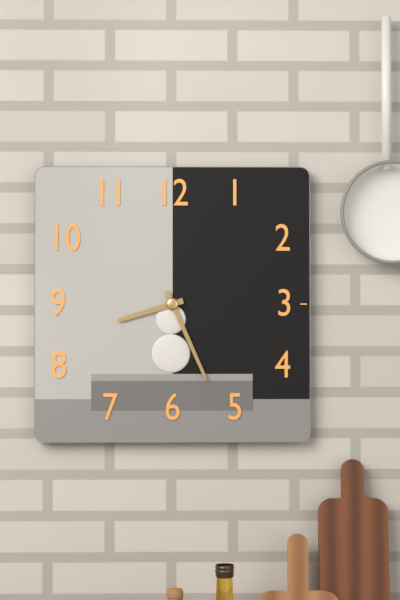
8.26
